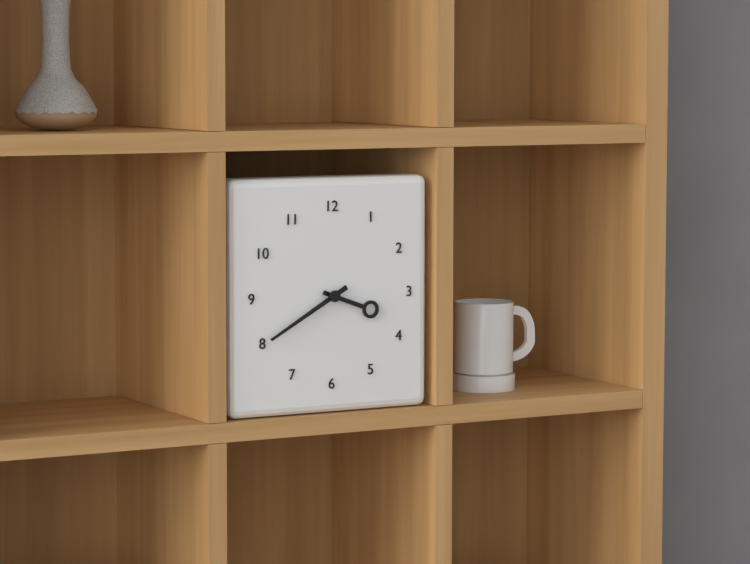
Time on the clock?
3:40
